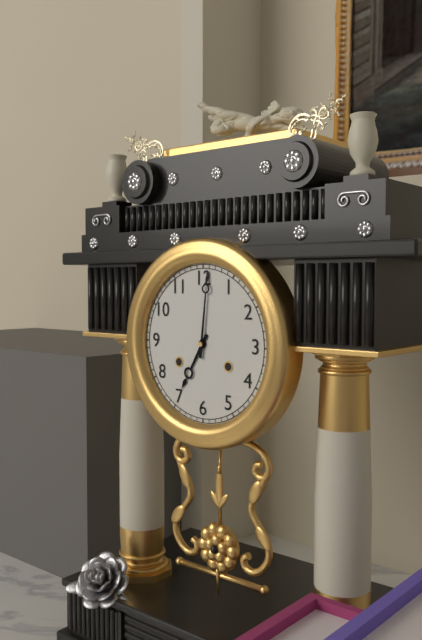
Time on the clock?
7:01
